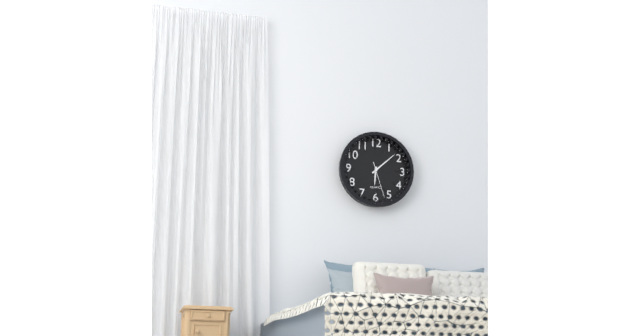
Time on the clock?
6:08
